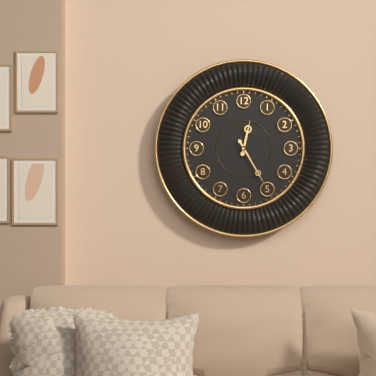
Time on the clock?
12:25
